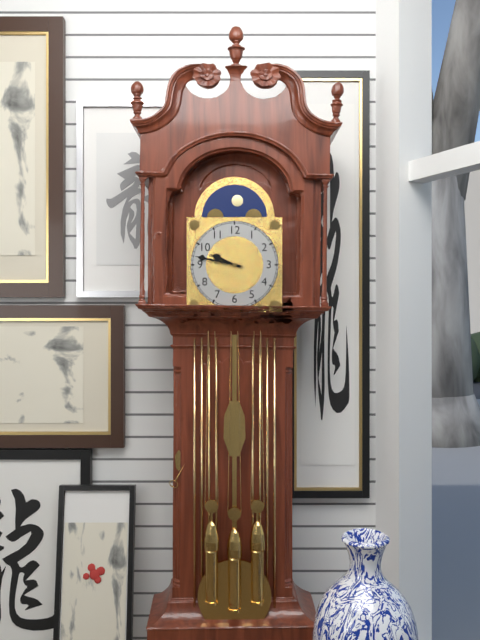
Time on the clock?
9:47
